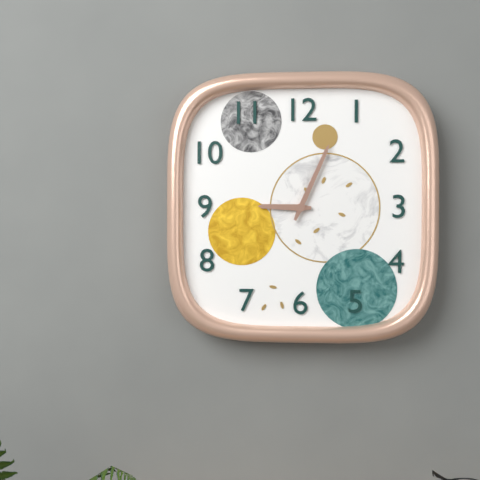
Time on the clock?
9:04
